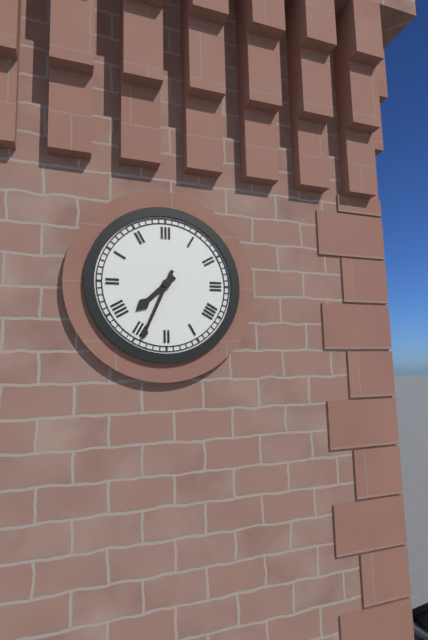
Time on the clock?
7:34
